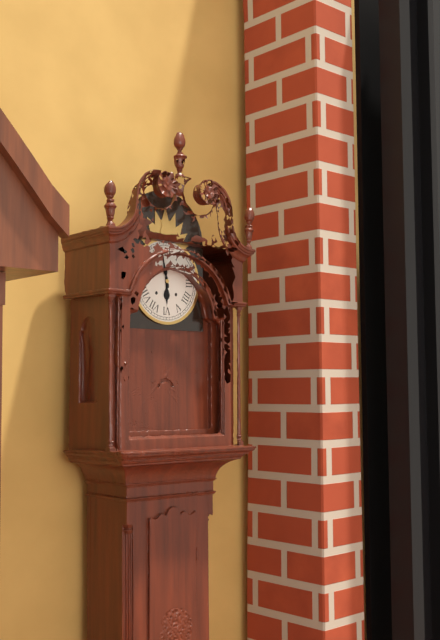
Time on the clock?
5:58
